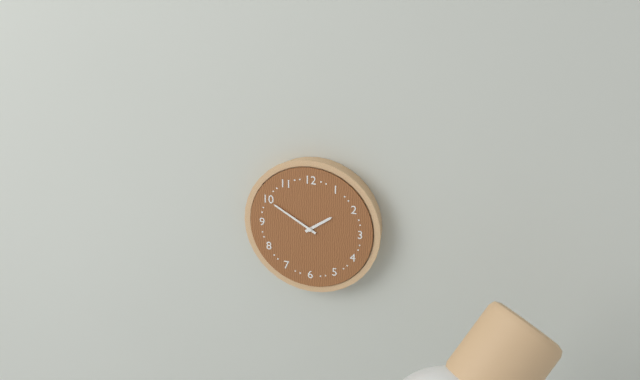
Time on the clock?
1:50
